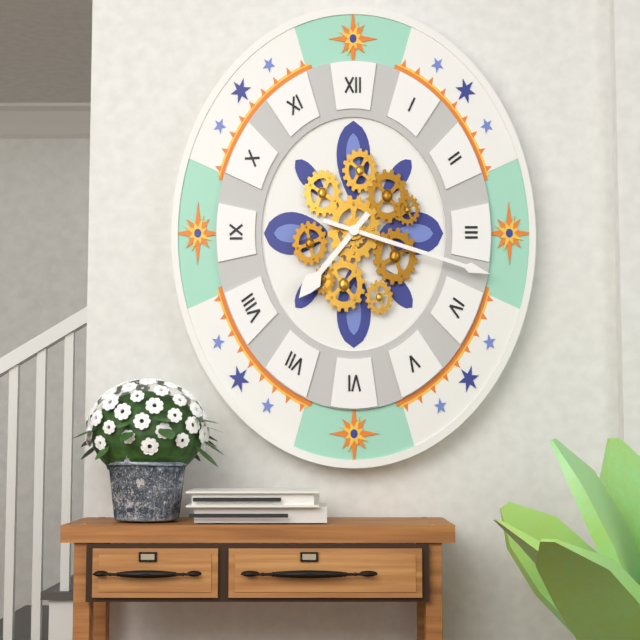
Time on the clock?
7:18
